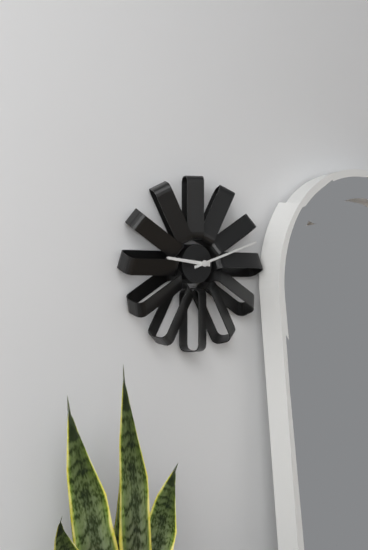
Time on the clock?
9:12
